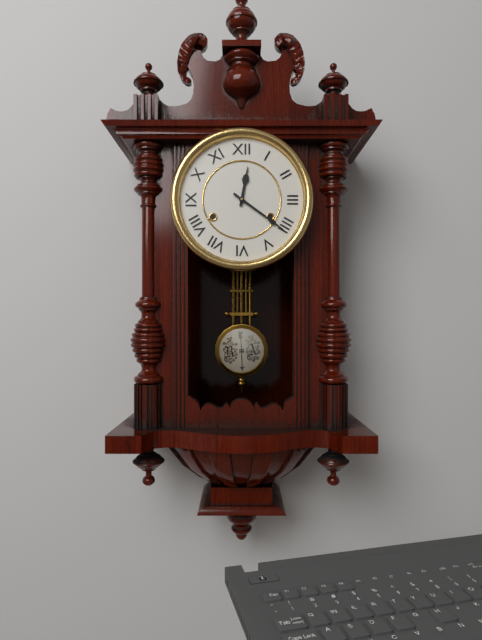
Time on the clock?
12:21
